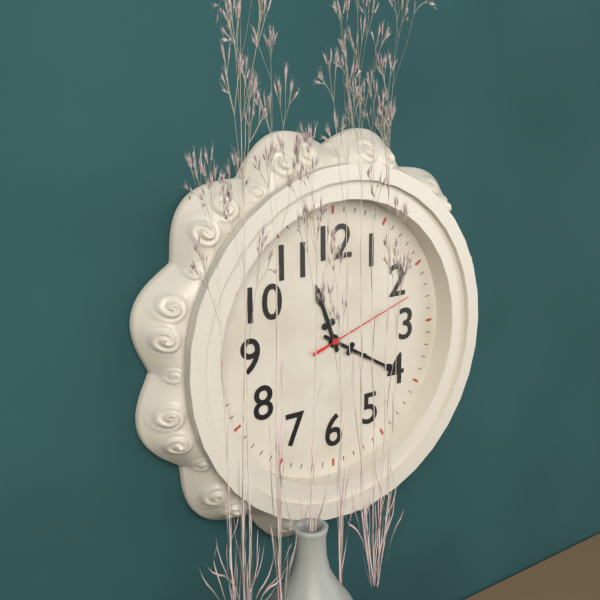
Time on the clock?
11:20:12
